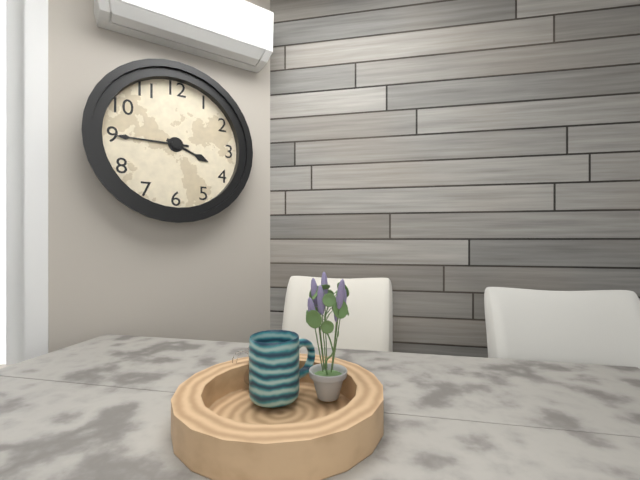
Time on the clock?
3:45
